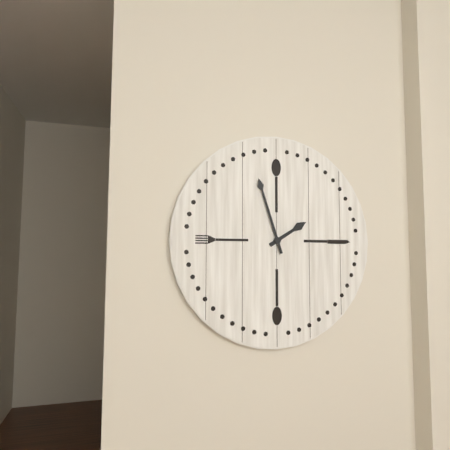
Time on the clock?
1:57
